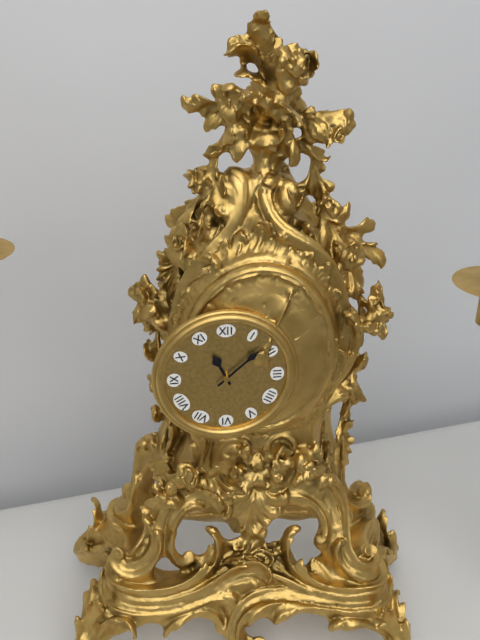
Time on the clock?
11:08
